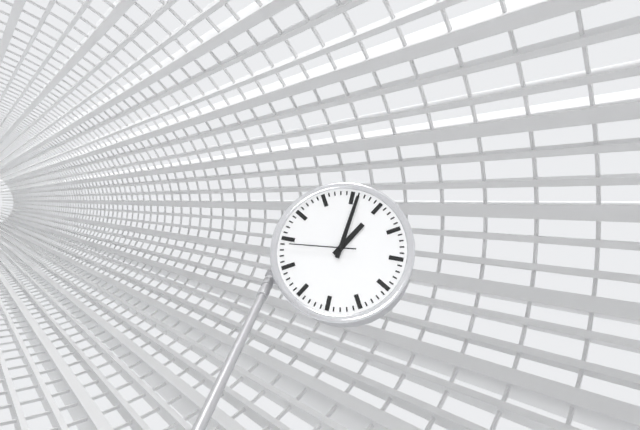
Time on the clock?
1:01:44
